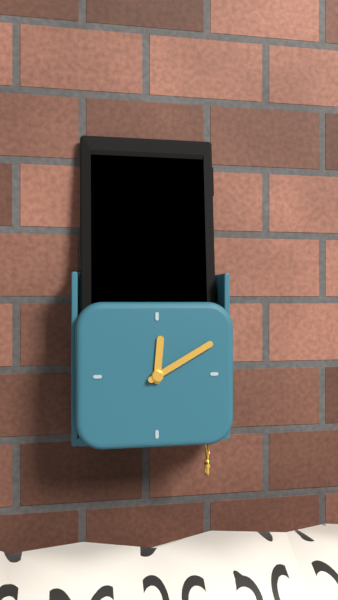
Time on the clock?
12:10
